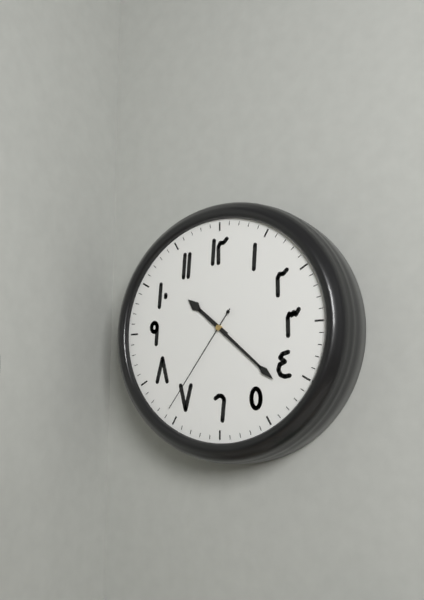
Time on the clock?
10:22:36
